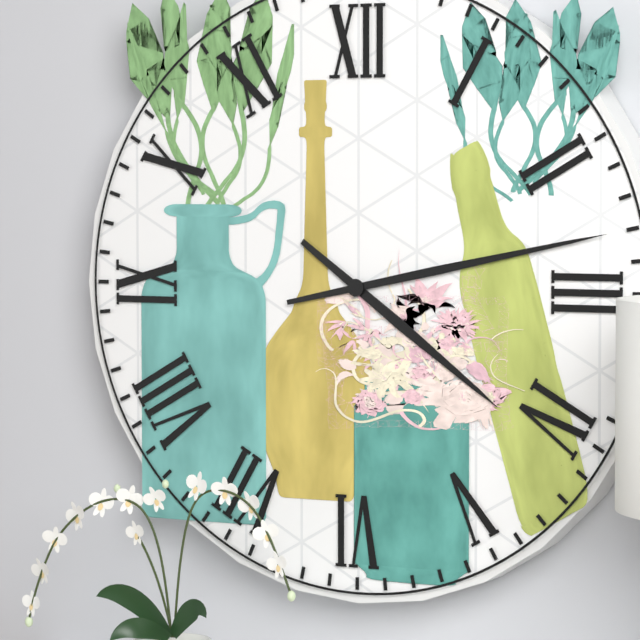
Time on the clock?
4:13
